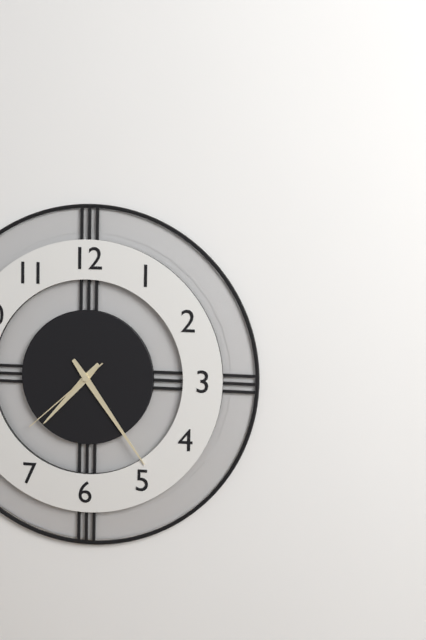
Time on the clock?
7:24:38
